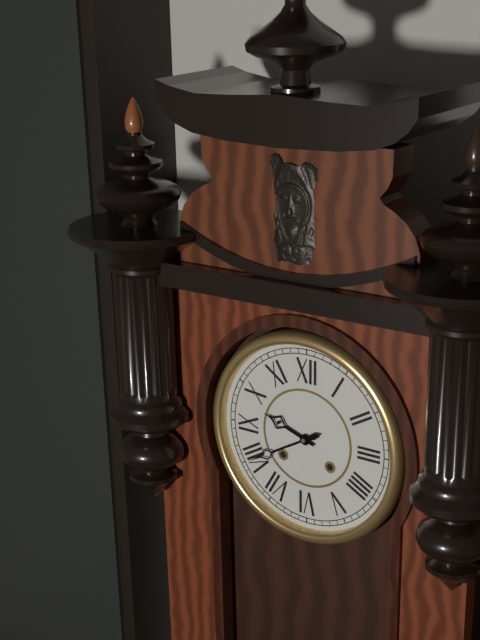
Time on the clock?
9:40
